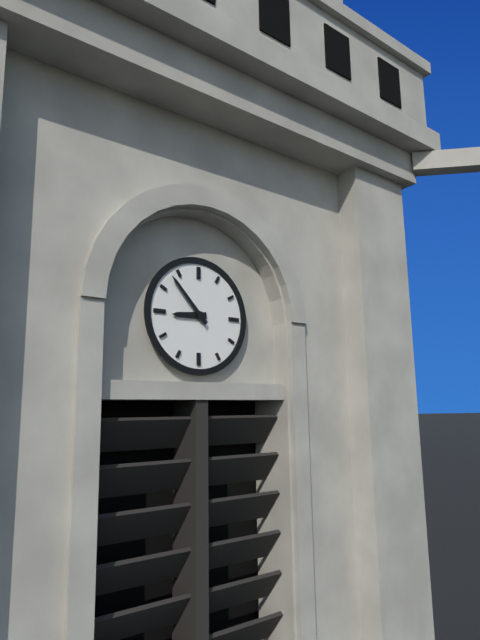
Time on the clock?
8:53
